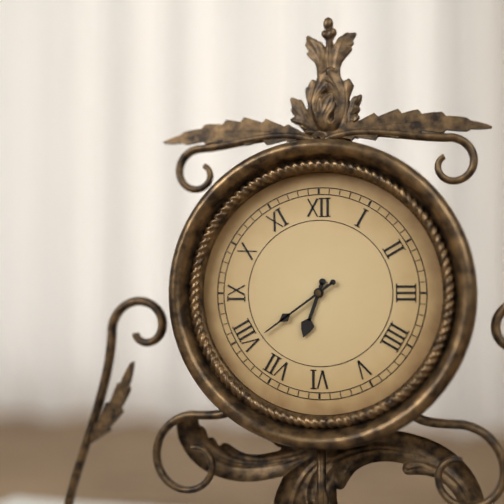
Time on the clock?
6:39
